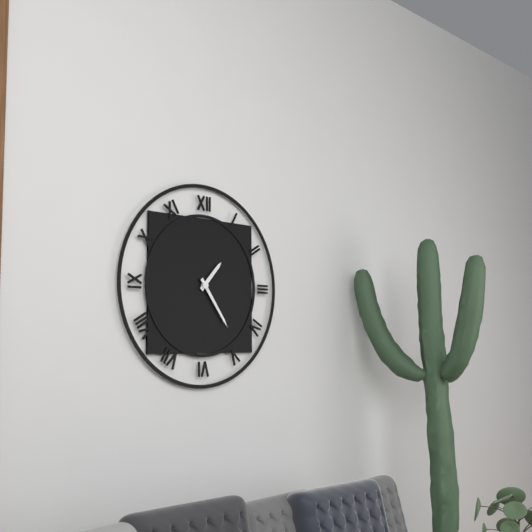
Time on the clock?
1:24
